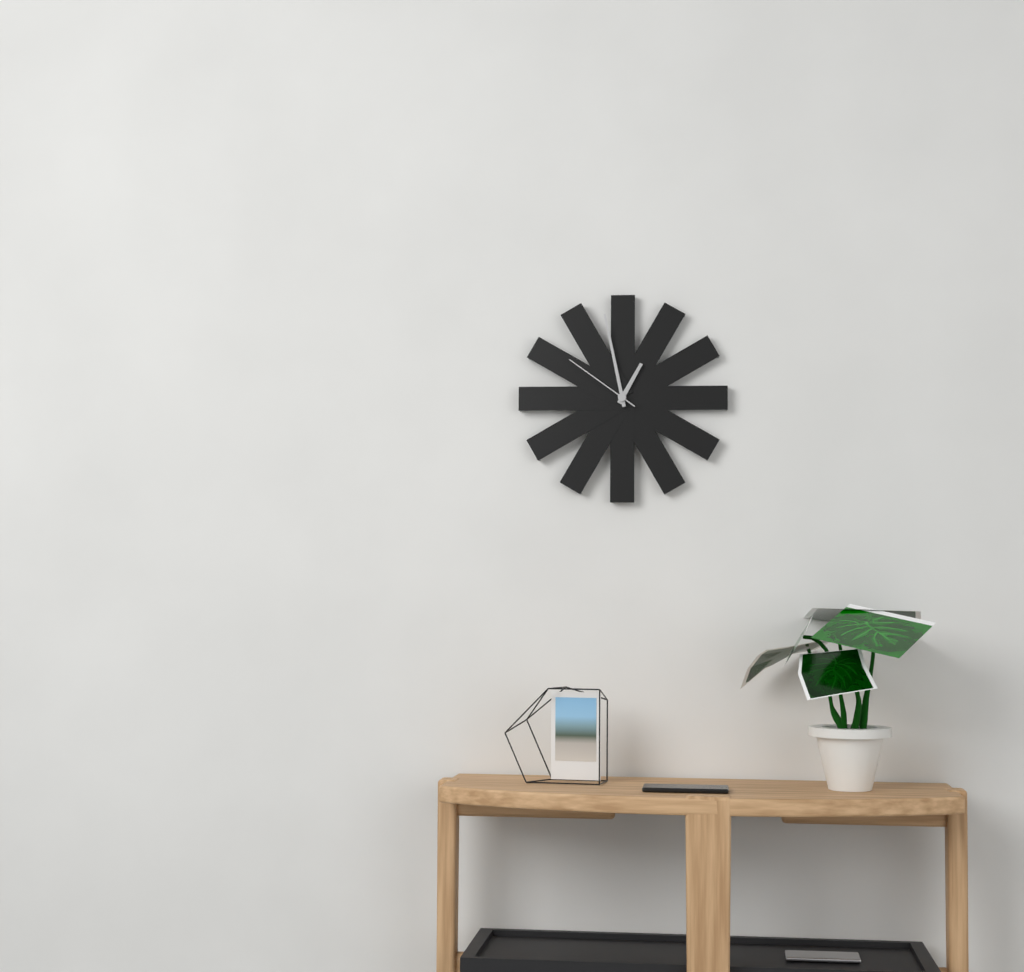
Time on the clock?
12:58:51
